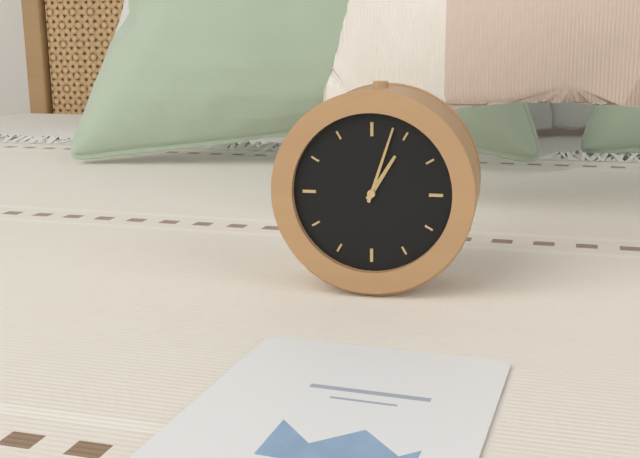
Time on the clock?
1:03
